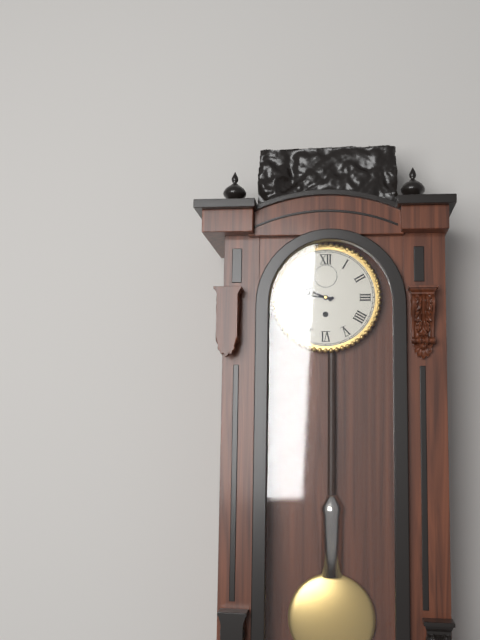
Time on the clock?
9:46
